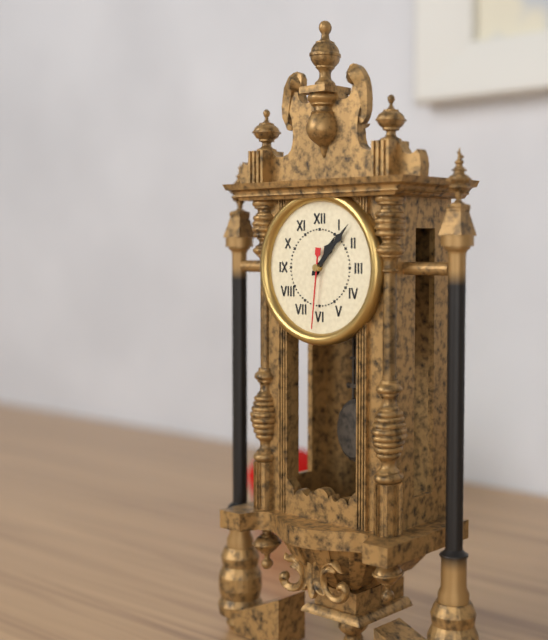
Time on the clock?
1:07:31
